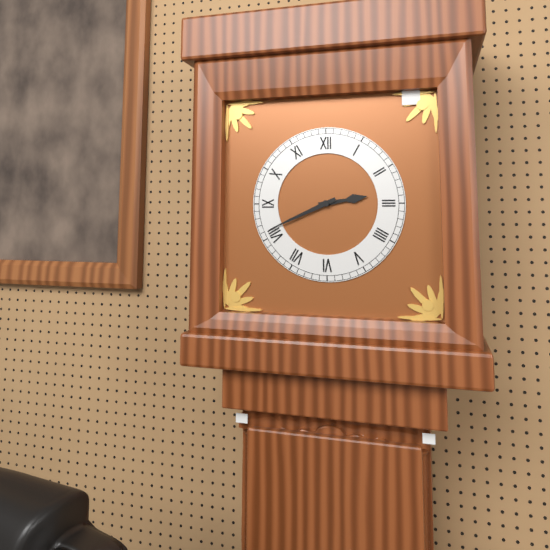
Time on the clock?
2:41
